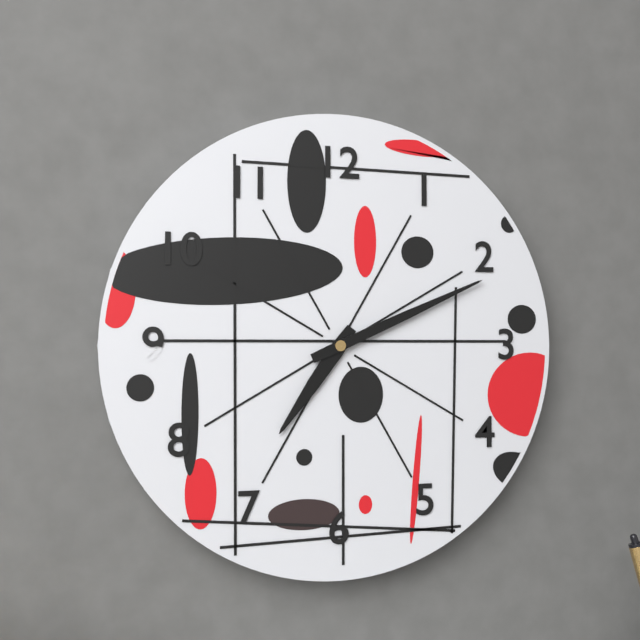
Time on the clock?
7:11
